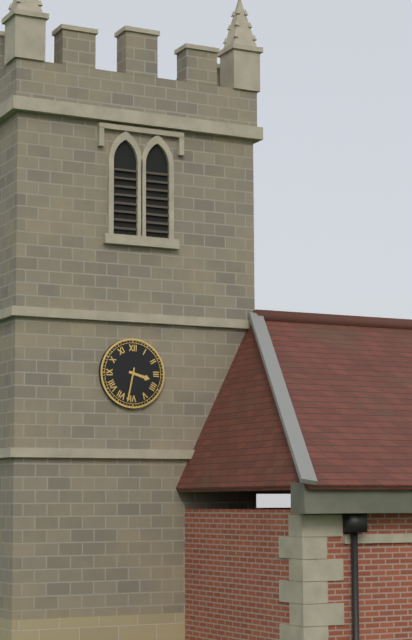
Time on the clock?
3:32
